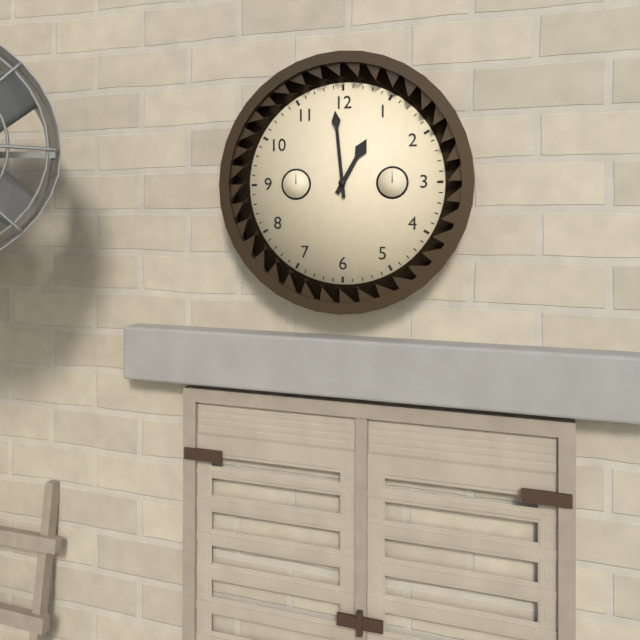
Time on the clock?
12:59
